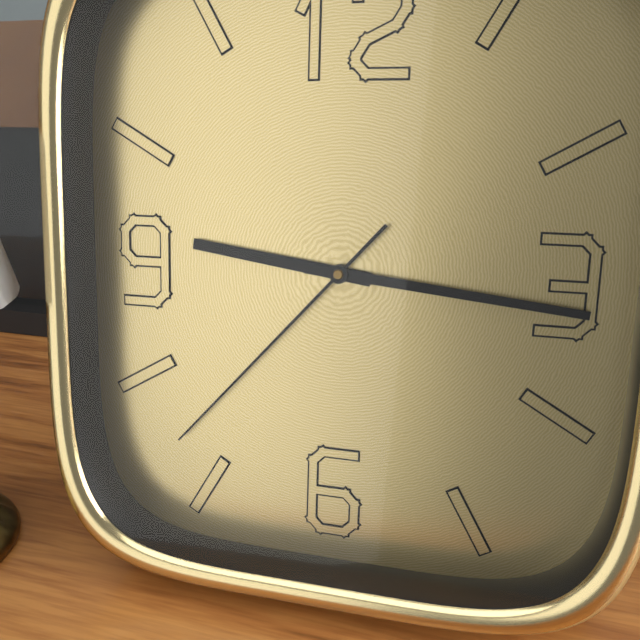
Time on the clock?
9:16:37
